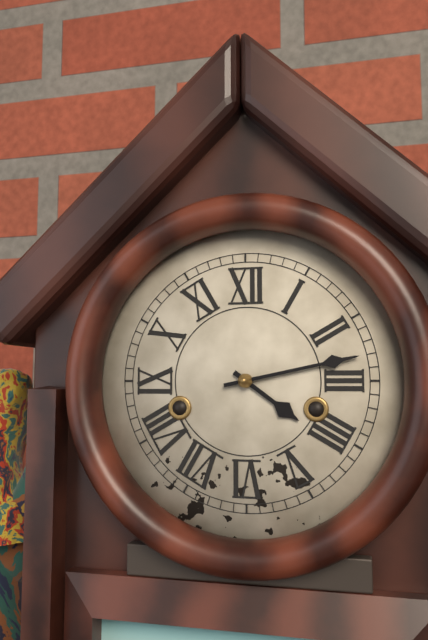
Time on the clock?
4:13
